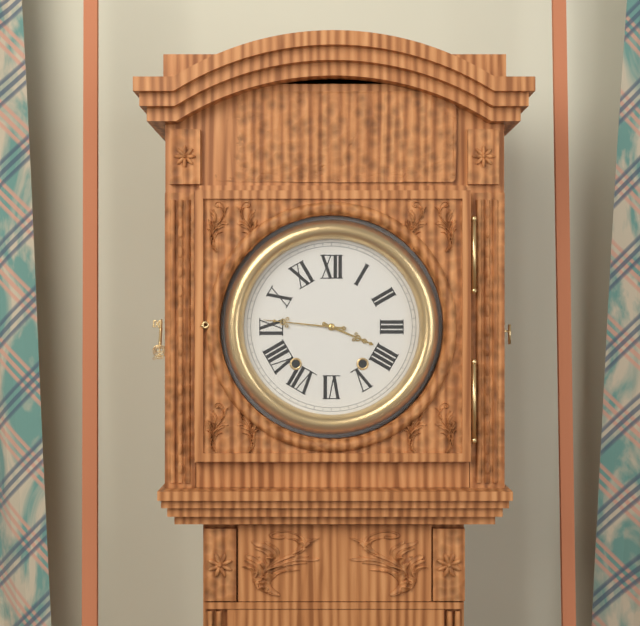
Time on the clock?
3:46
